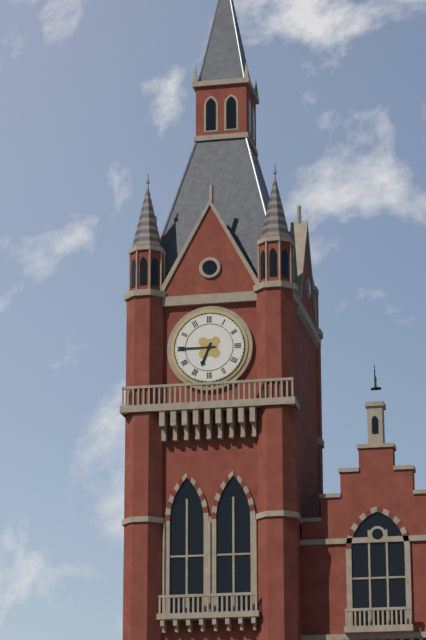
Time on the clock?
6:45
